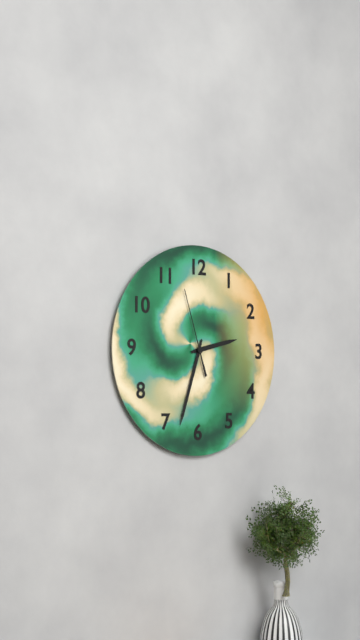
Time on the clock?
2:33:57
